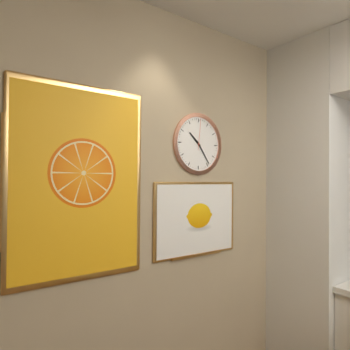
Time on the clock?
10:24
